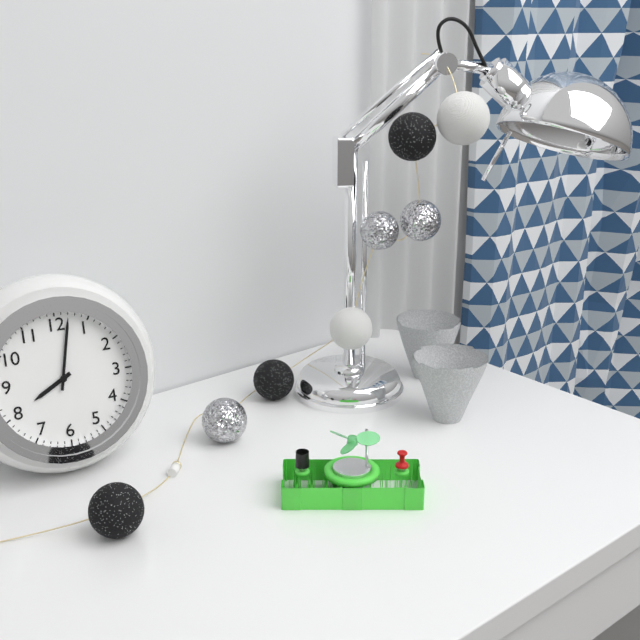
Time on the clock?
8:02
